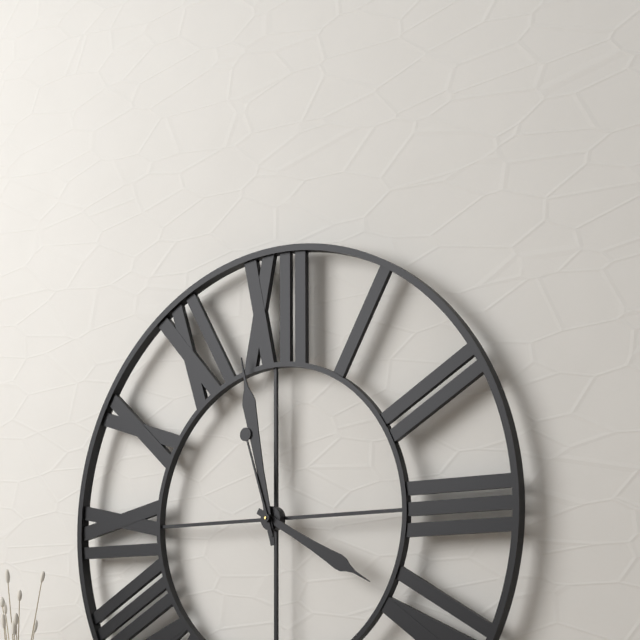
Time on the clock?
3:58:57
